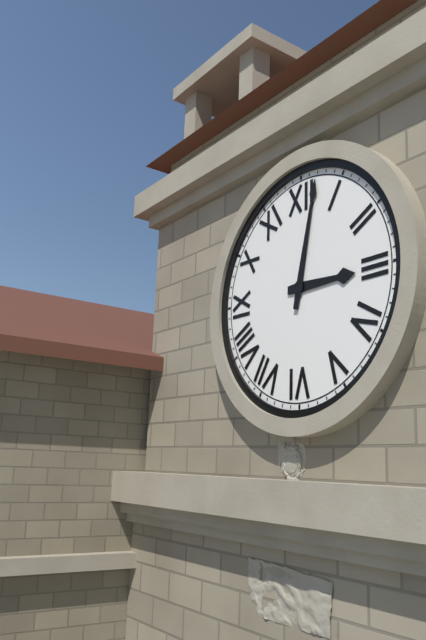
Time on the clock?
3:02
